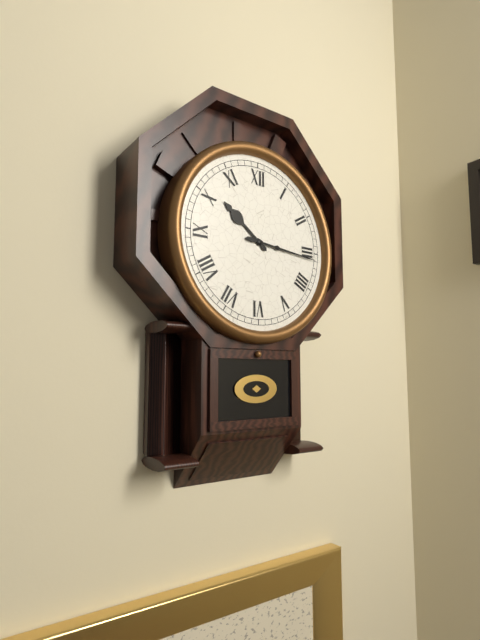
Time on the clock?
10:16
